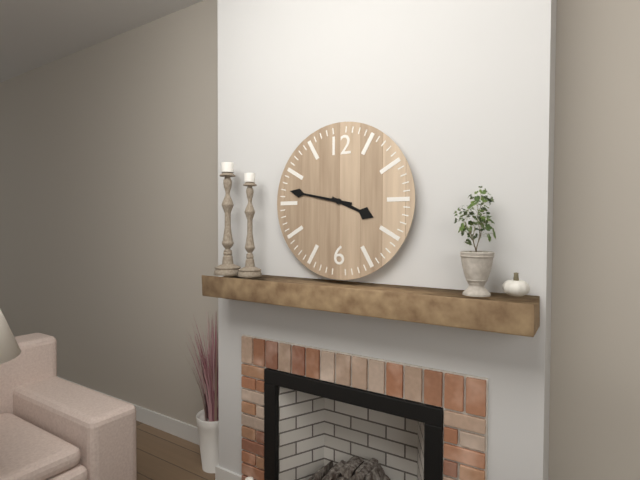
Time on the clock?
3:47
